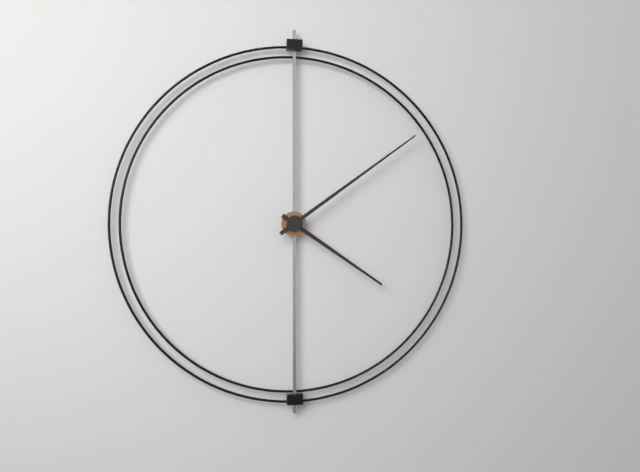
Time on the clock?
4:09
